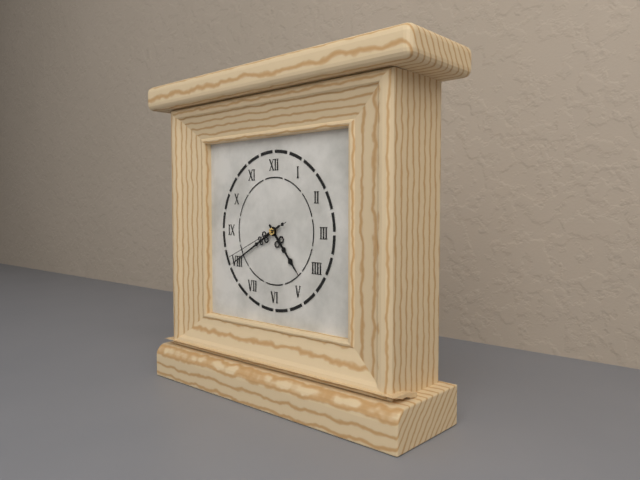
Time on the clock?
4:40:41
